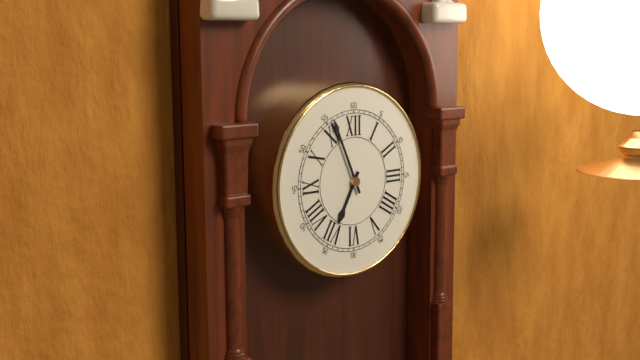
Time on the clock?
6:56
